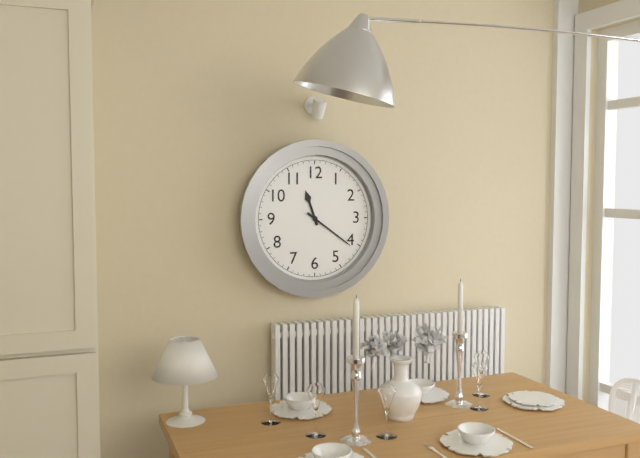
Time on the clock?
11:21
